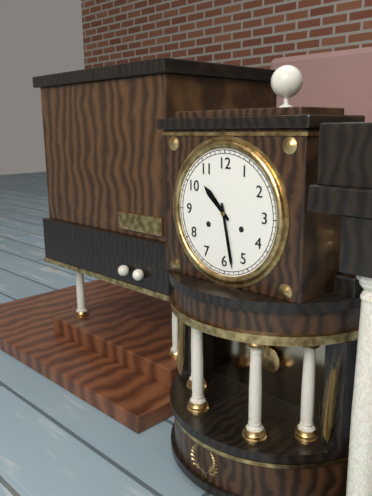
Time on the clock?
10:28
